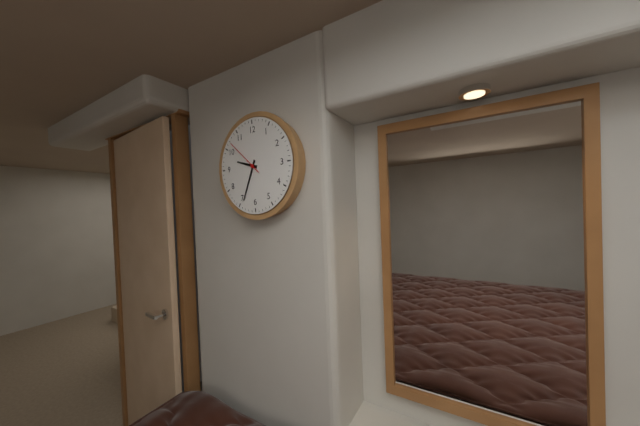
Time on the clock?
9:34
